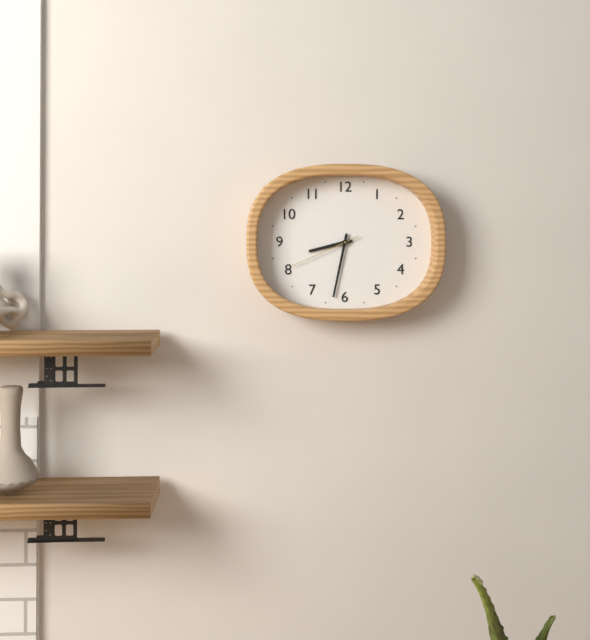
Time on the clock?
8:32:41
